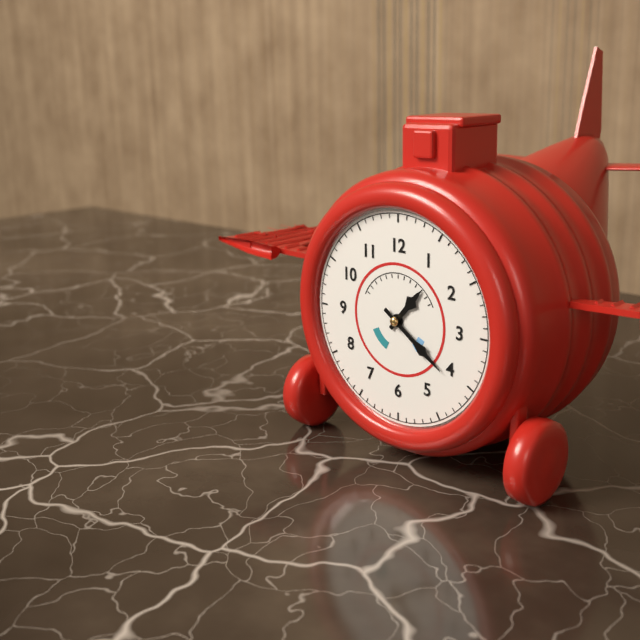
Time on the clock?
1:21
